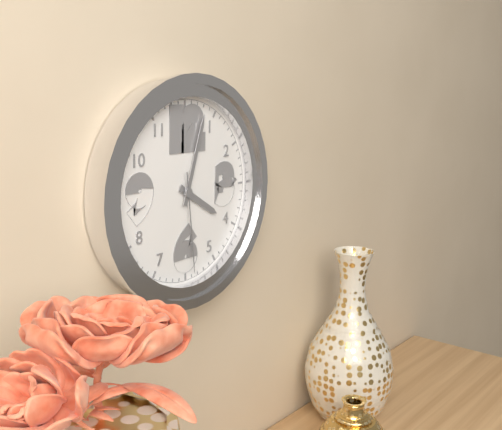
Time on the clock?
4:03:29
